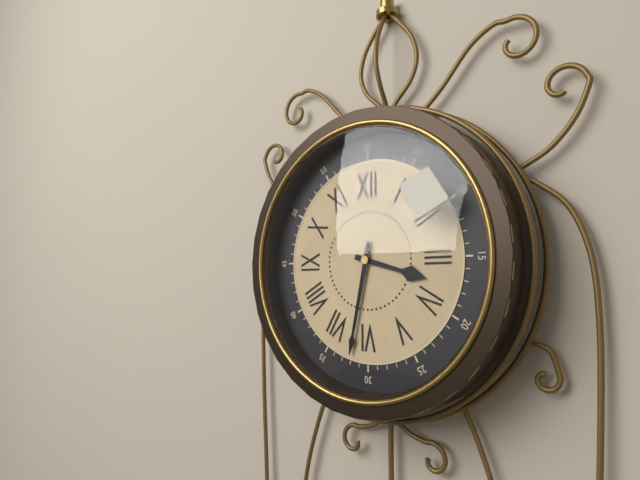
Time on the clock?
3:32
